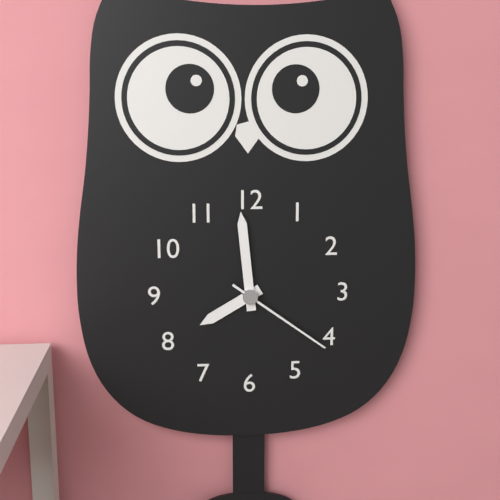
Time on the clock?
7:59:21
